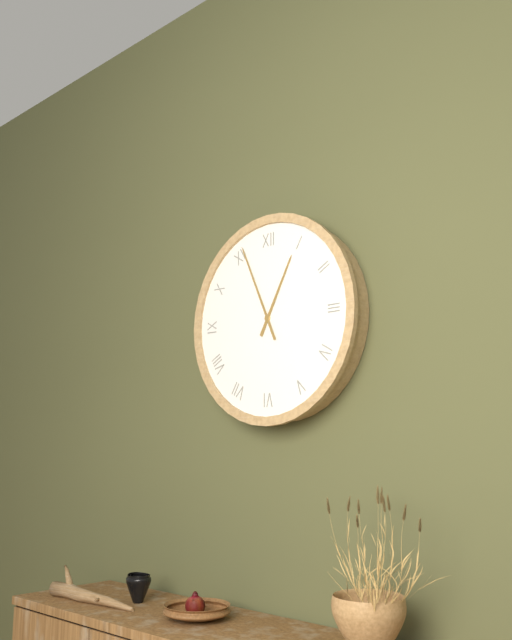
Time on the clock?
12:56
